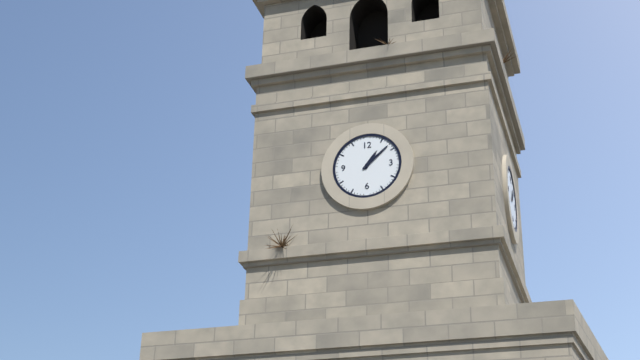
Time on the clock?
1:08
